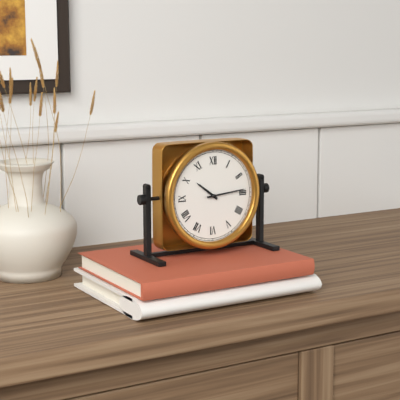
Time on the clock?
10:14
